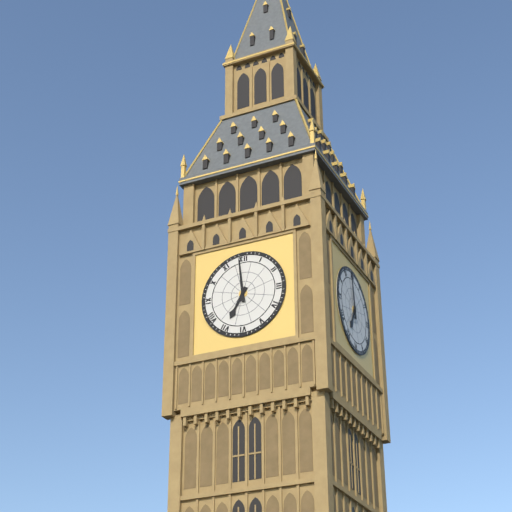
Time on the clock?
6:59
